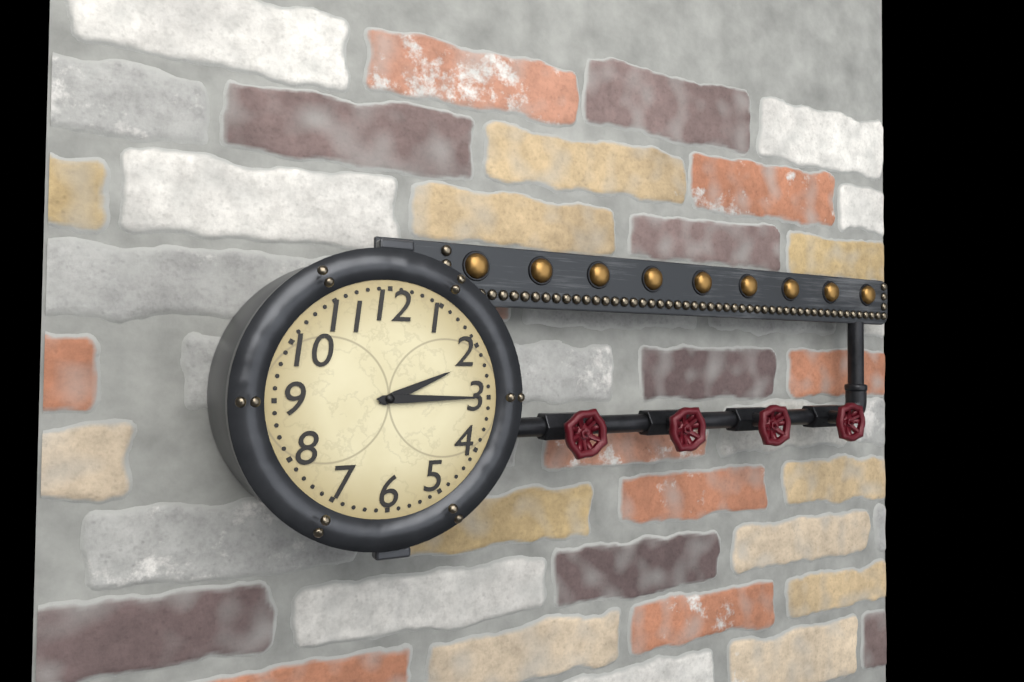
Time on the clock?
2:15
